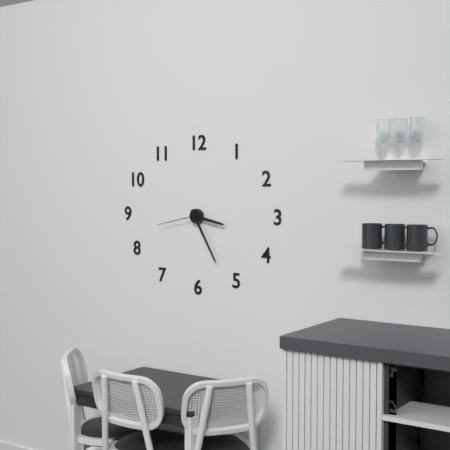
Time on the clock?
3:25
